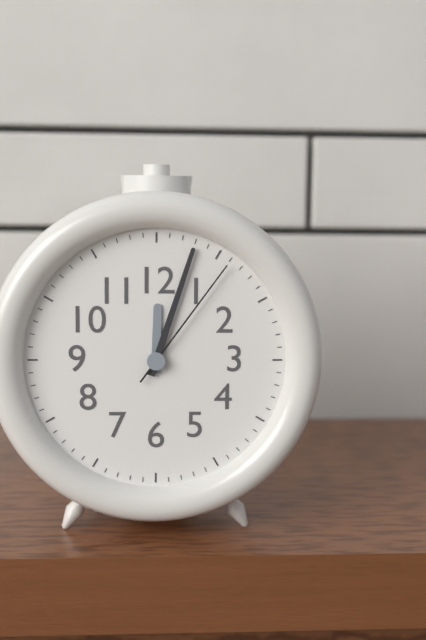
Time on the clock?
12:03:06
